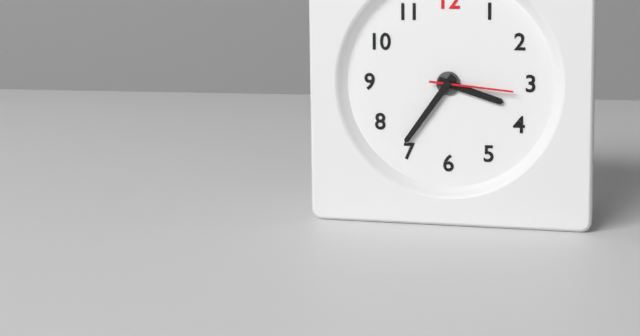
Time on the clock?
3:36:16
